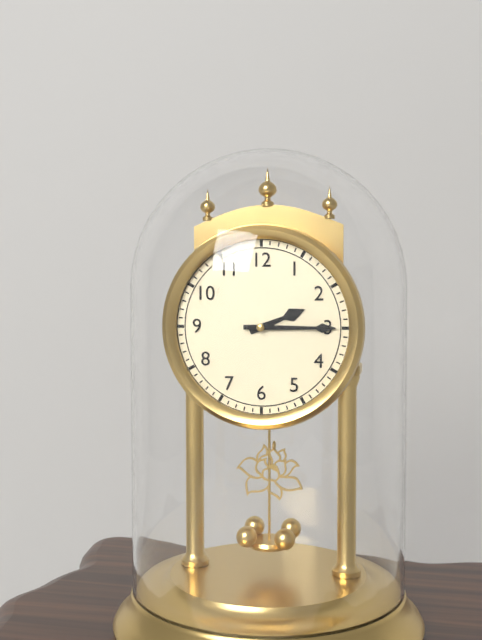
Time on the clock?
2:15
